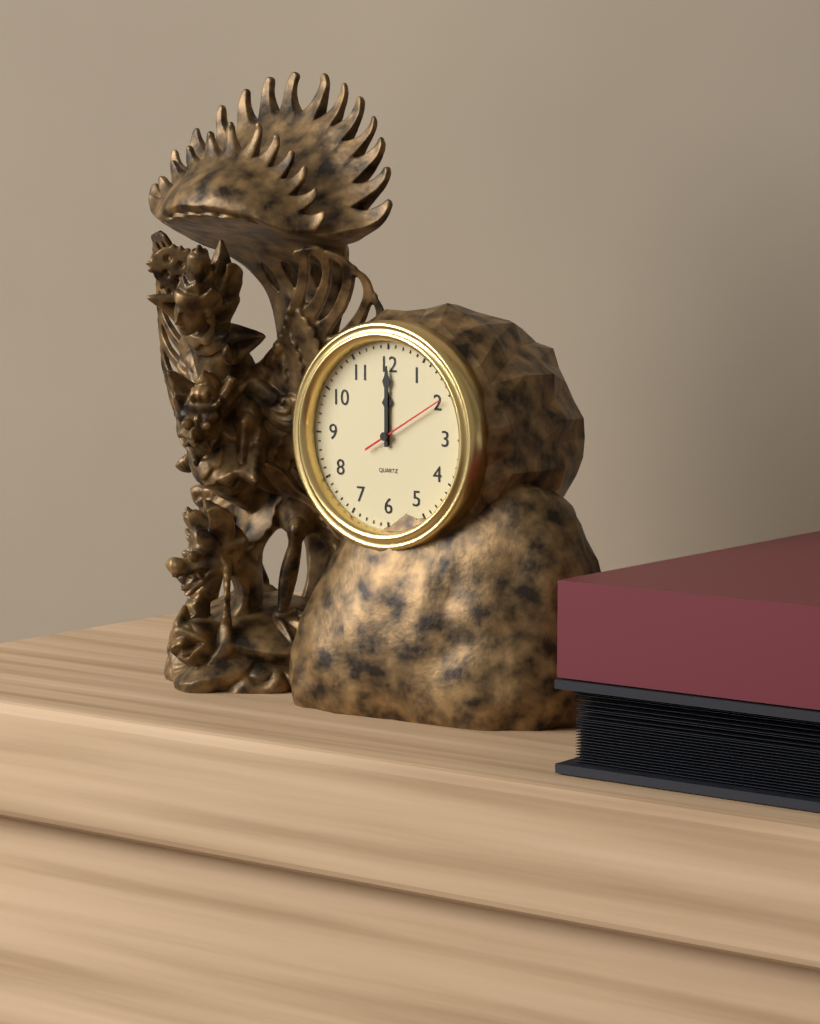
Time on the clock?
12:00:10
